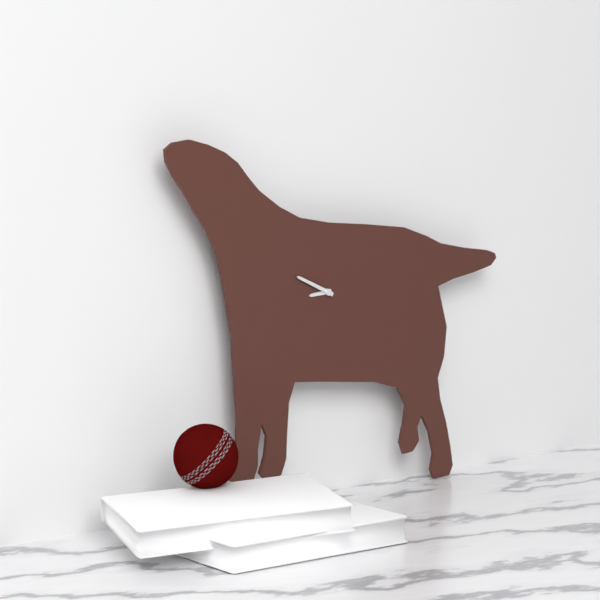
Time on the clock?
8:49
